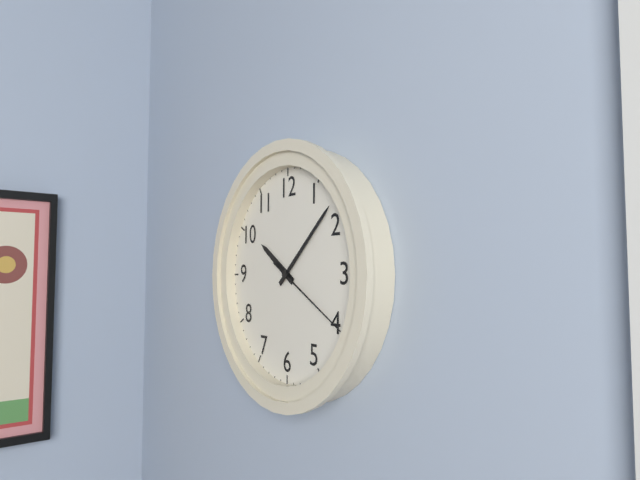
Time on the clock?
10:08:20
